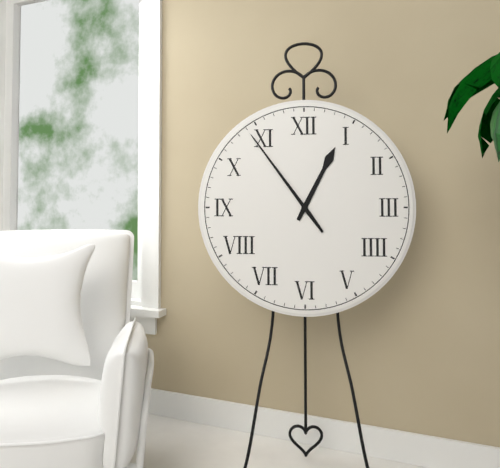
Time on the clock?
12:54
